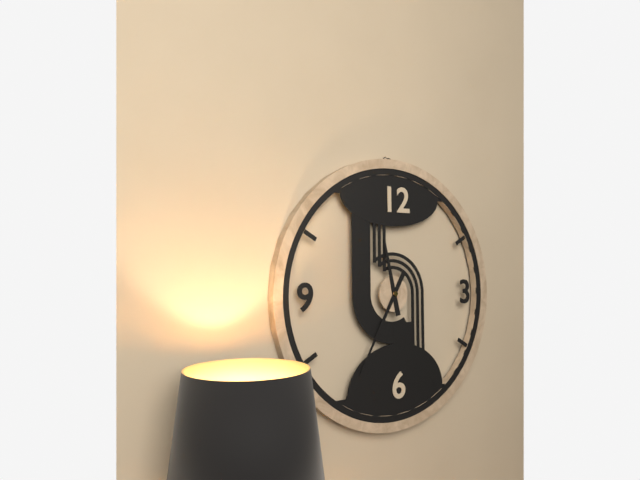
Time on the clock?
11:35
